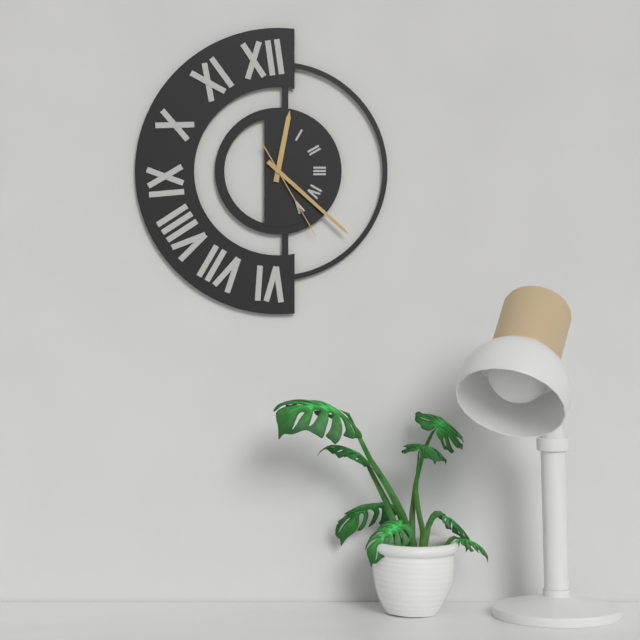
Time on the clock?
12:22:25
